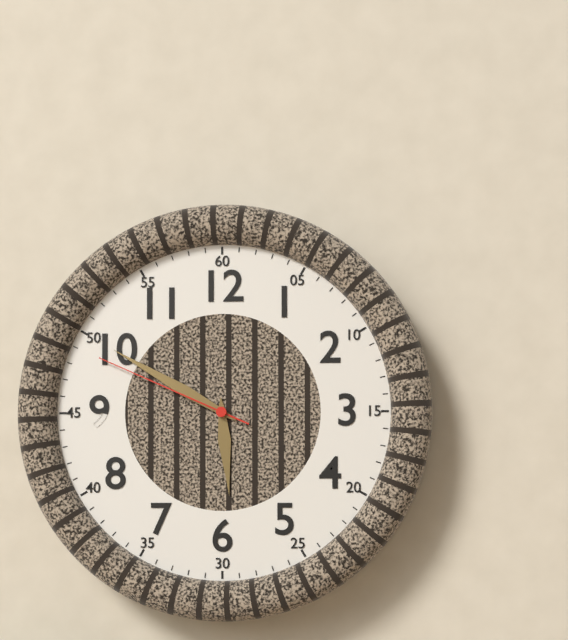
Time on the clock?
5:50:49
